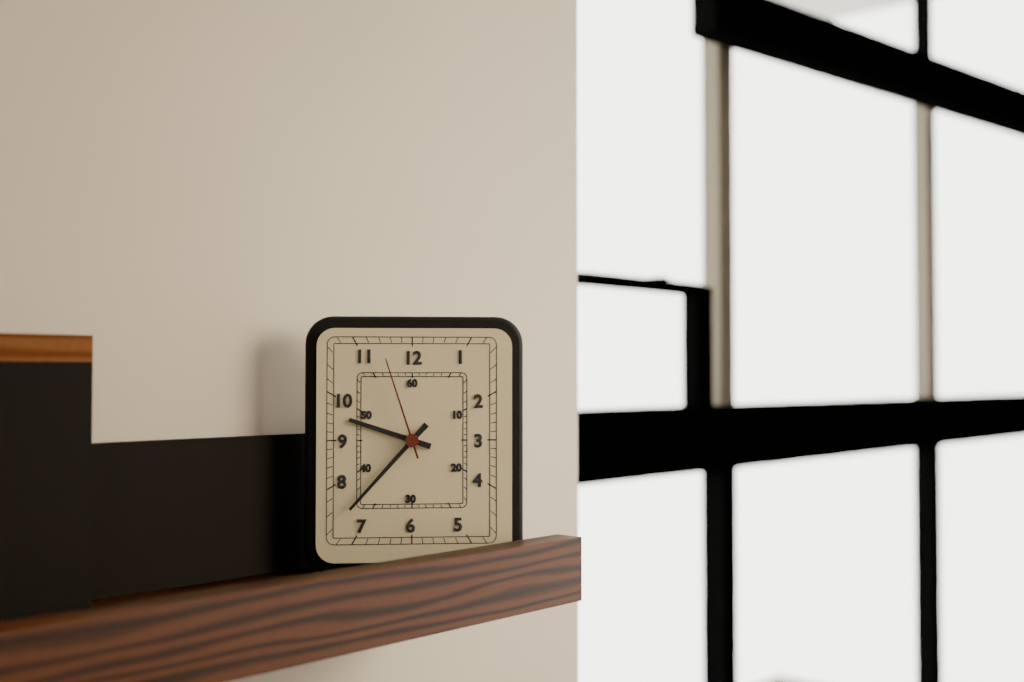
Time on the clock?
9:37:57
